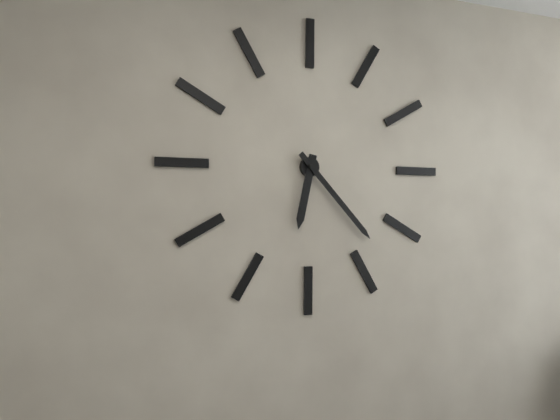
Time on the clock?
6:23
